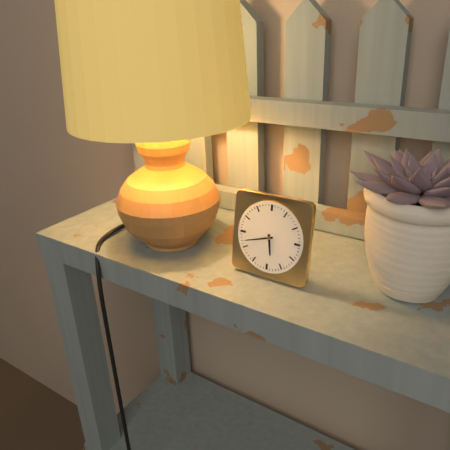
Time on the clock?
5:42
